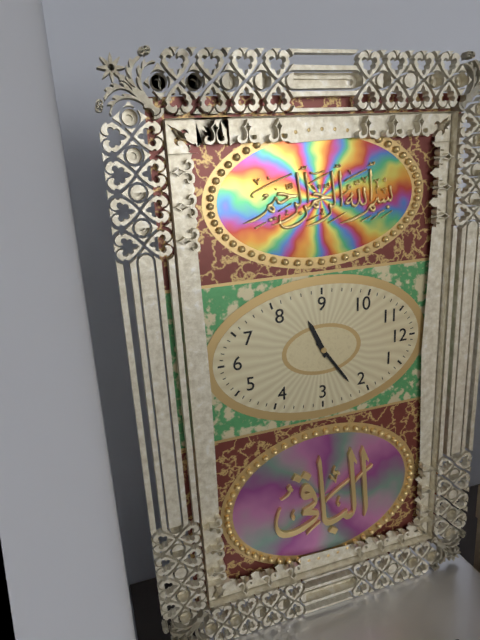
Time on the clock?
8:09
